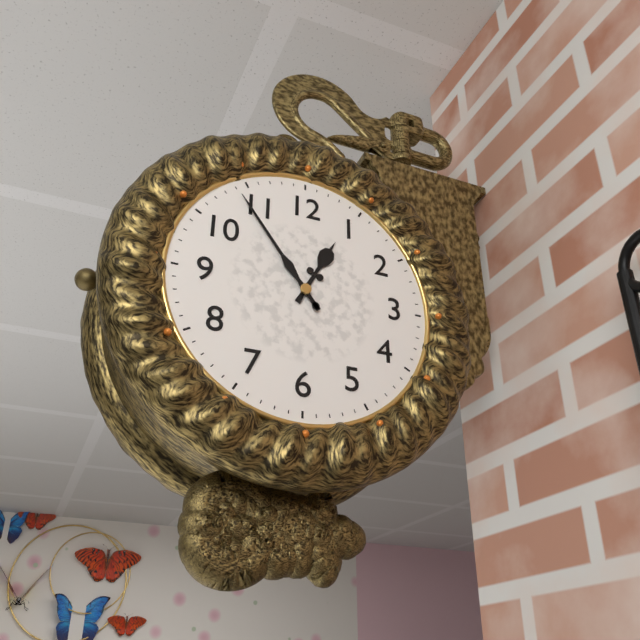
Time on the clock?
12:54
